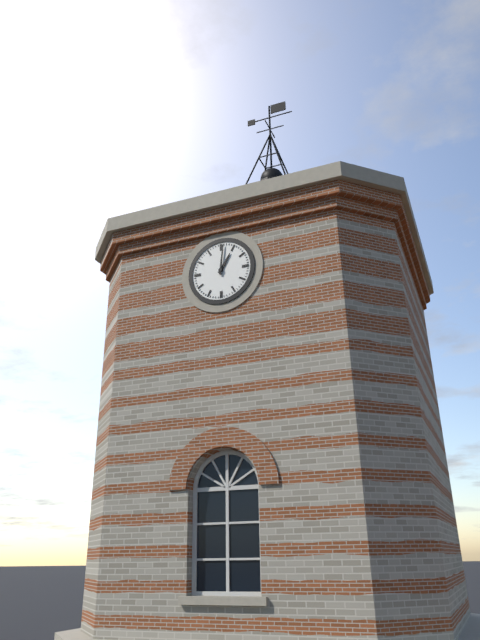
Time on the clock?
1:01
